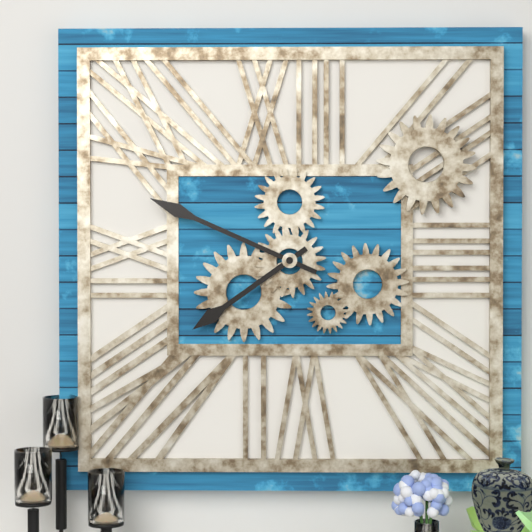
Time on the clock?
7:49
